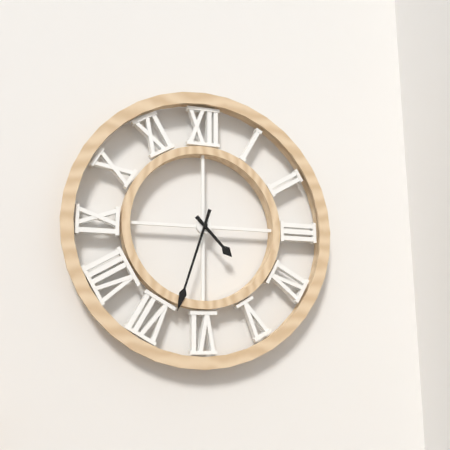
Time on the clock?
4:33
